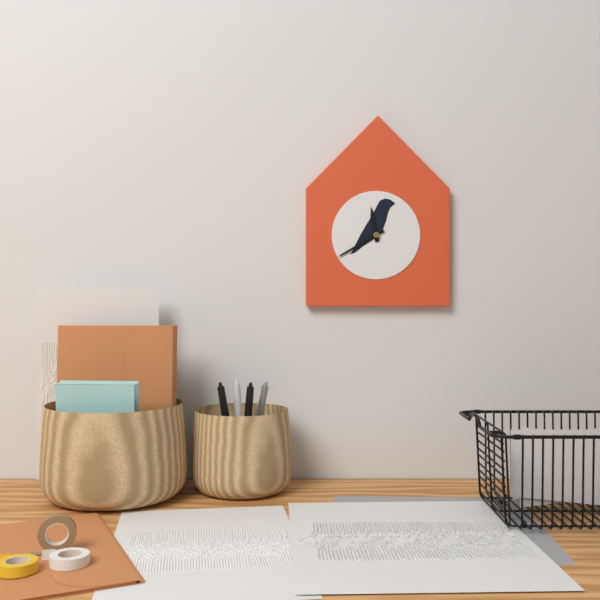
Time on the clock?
11:40
